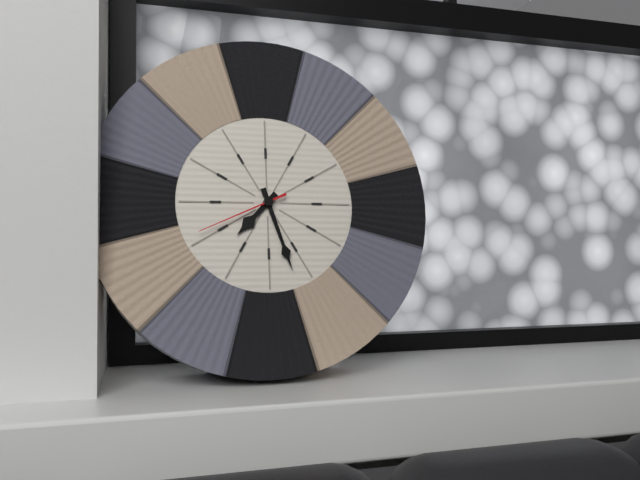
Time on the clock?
7:27:41
